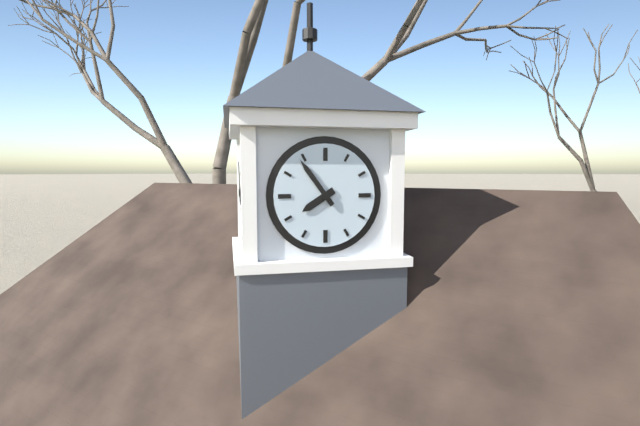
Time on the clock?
7:54
